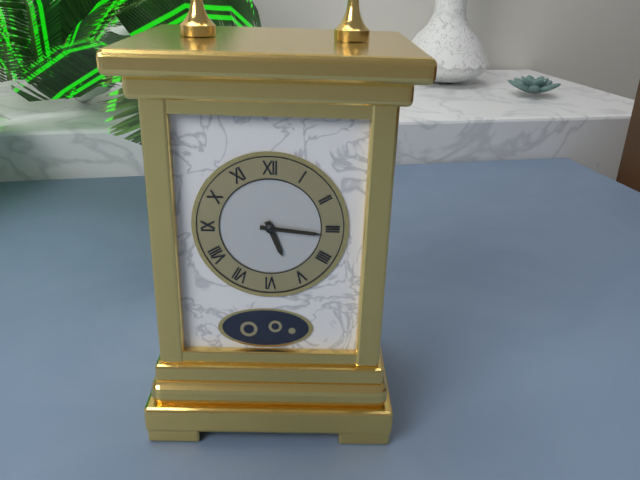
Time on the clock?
5:16
